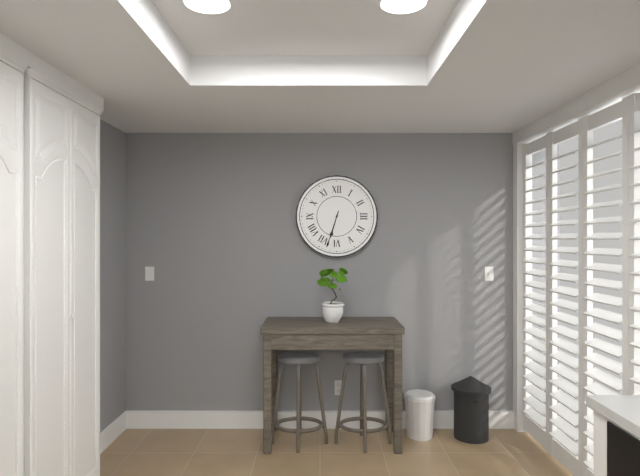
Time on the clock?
6:33
